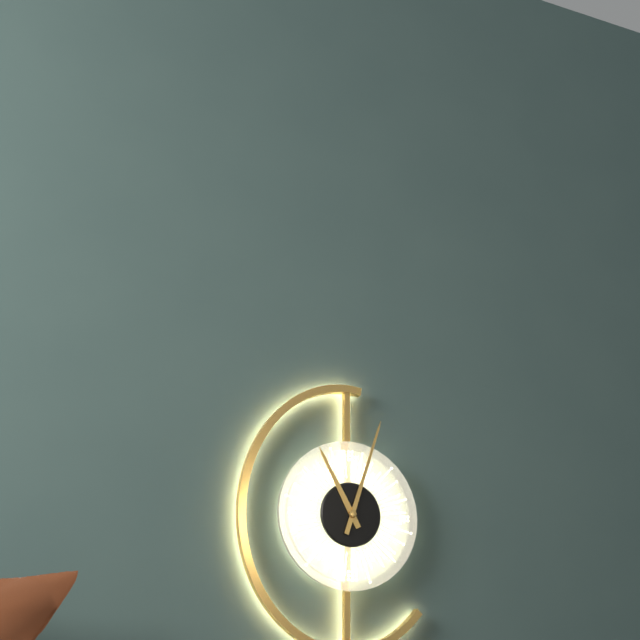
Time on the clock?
11:03
